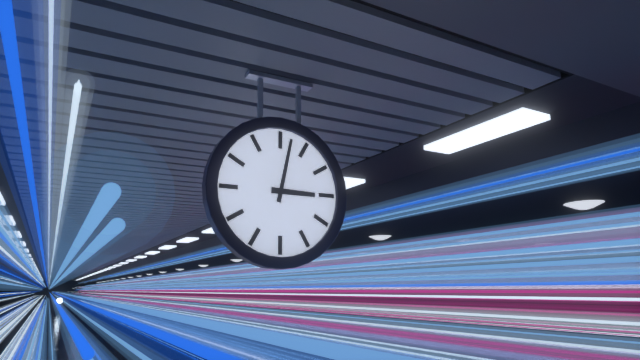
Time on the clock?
3:02
